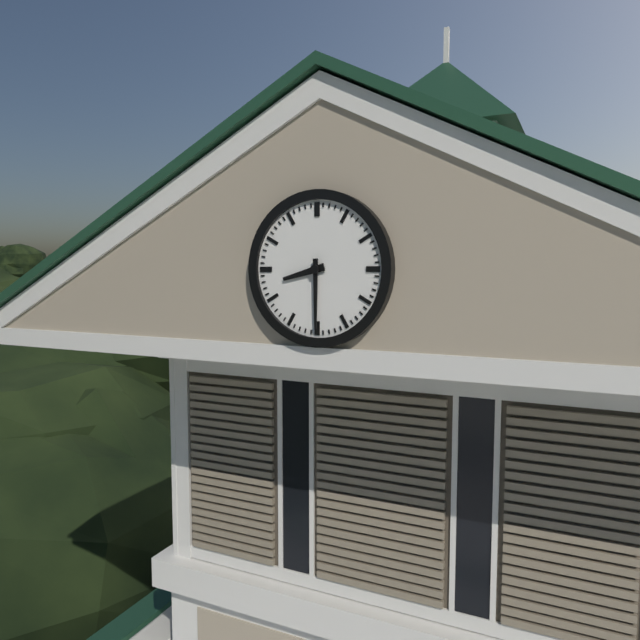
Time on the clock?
8:30
